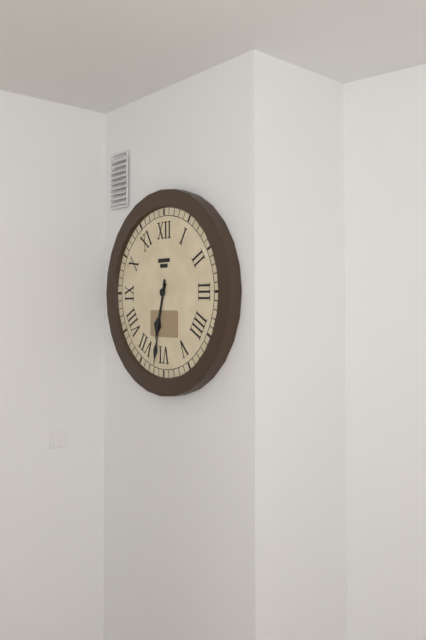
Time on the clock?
6:32
